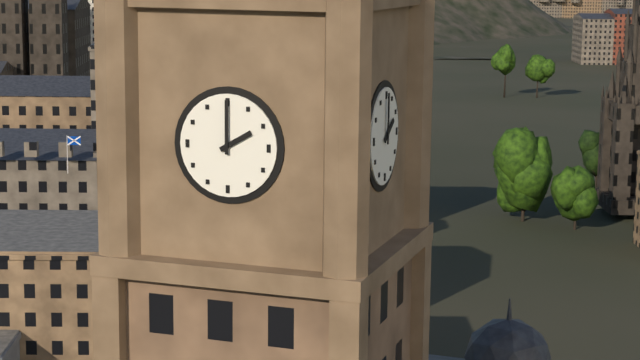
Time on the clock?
2:00
